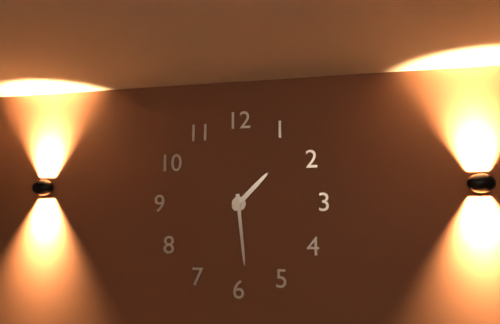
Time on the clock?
1:29
